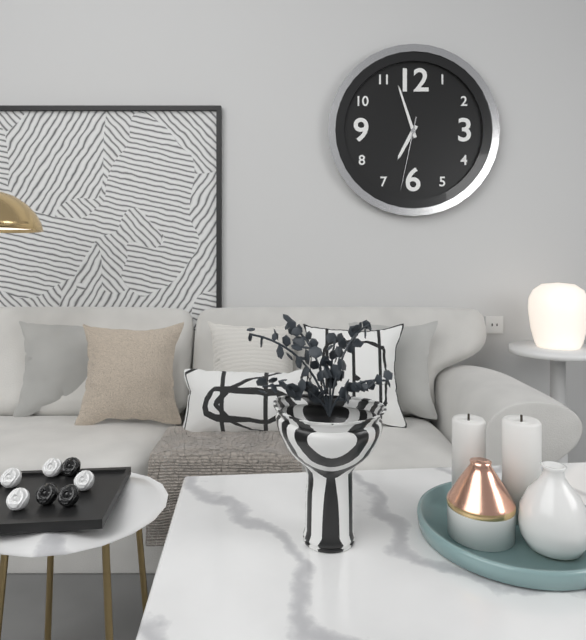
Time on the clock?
6:57:32
